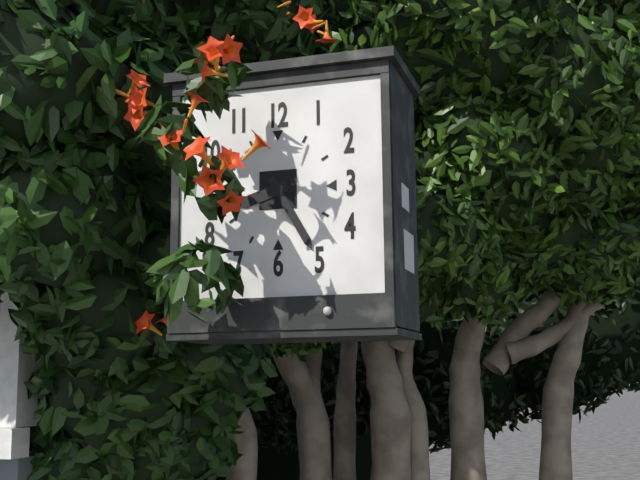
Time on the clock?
8:25
